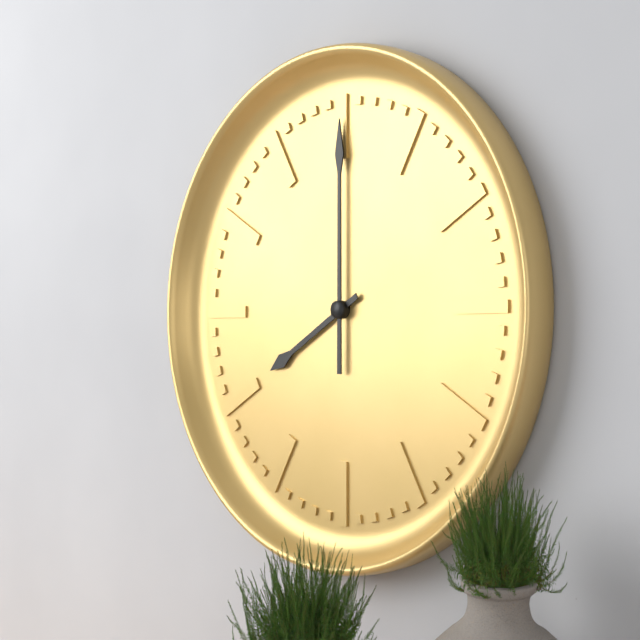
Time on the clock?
8:00
